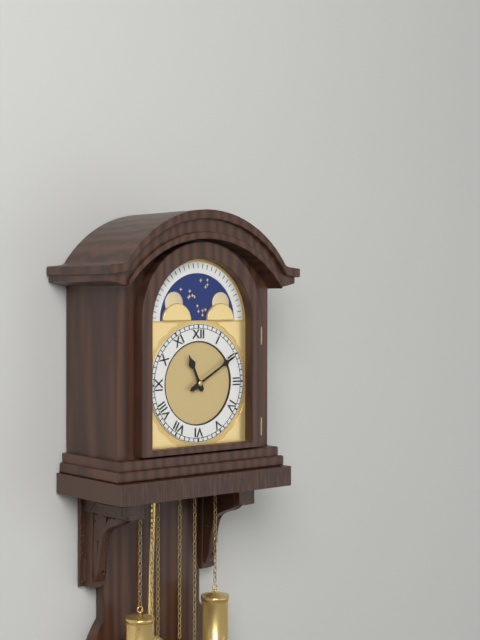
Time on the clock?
11:10
